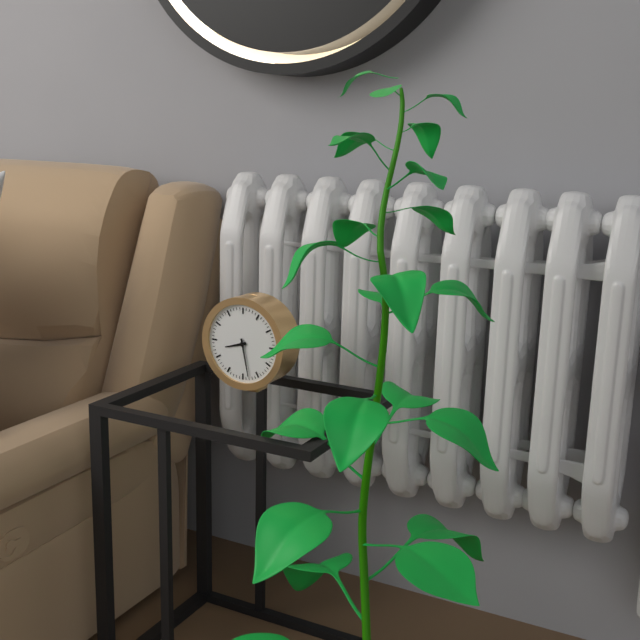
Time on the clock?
8:28
